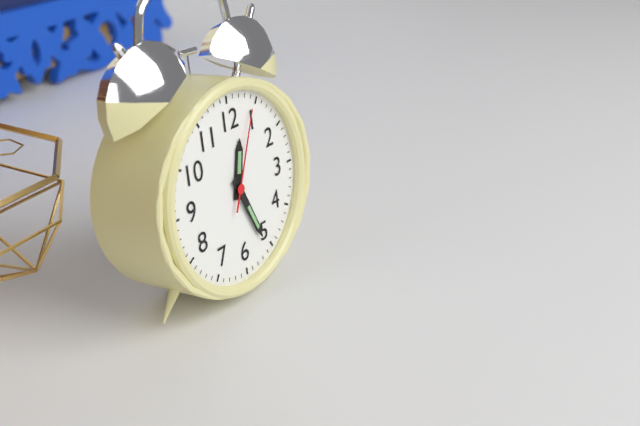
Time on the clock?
12:26:04
